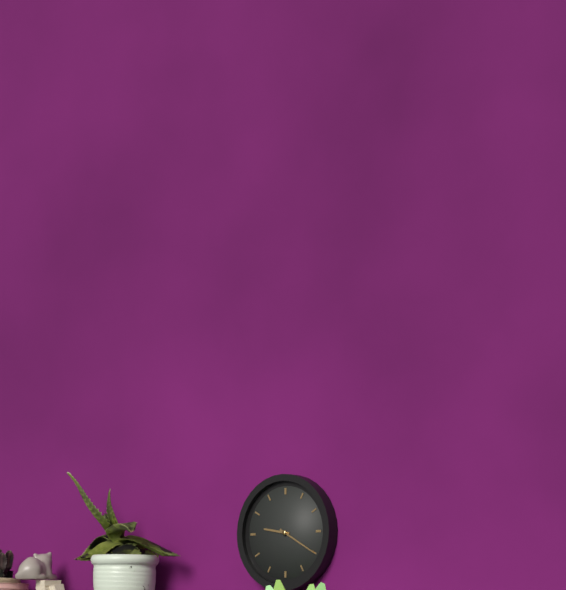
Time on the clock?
9:20
